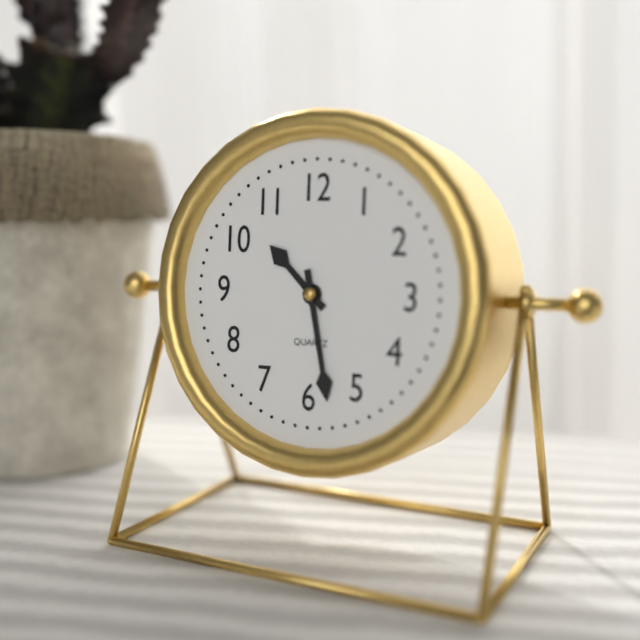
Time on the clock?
10:28
